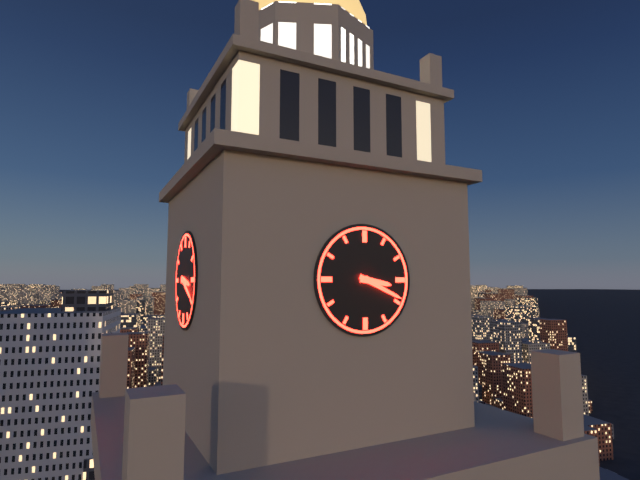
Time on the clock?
3:19
